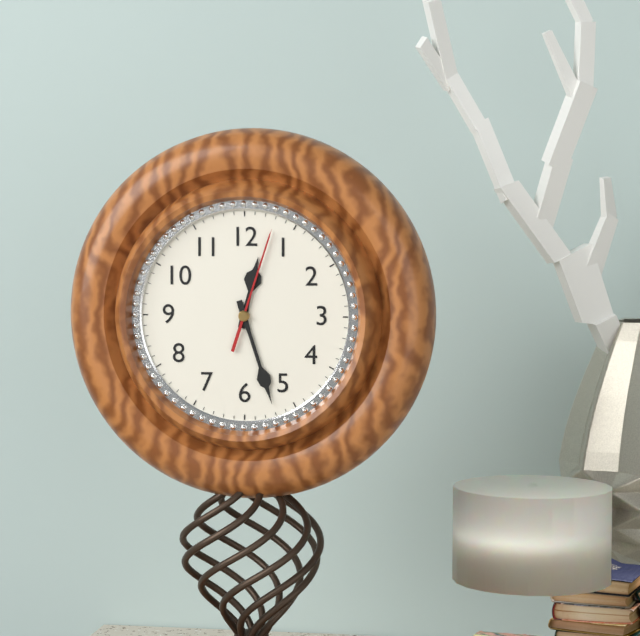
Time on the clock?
12:27:03
